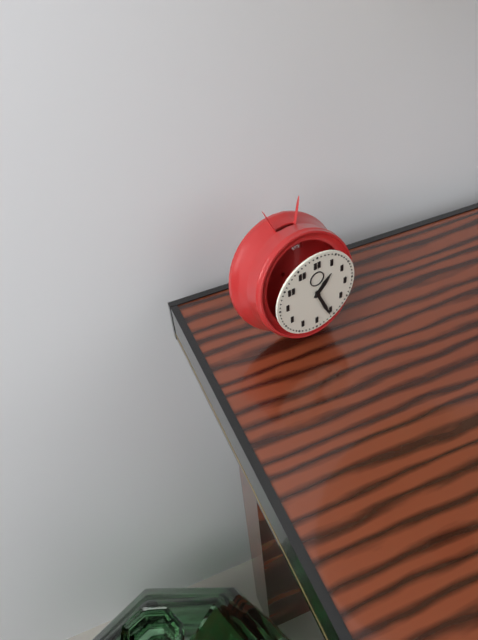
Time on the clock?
1:26
